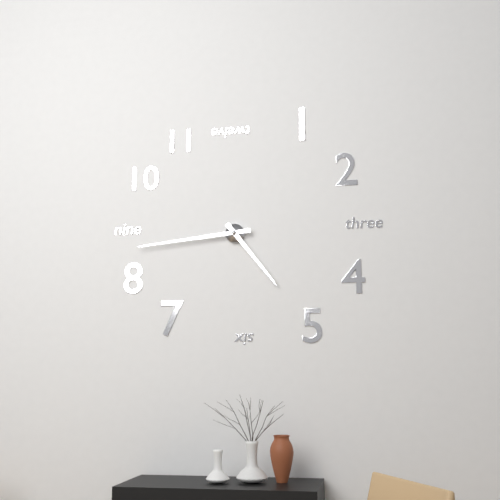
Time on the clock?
4:44
